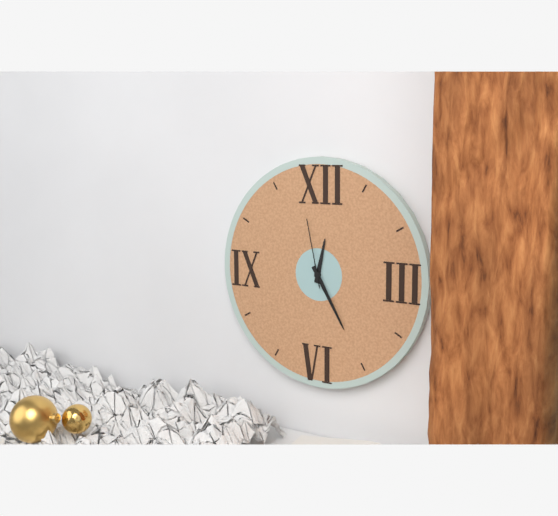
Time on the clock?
12:25:58
